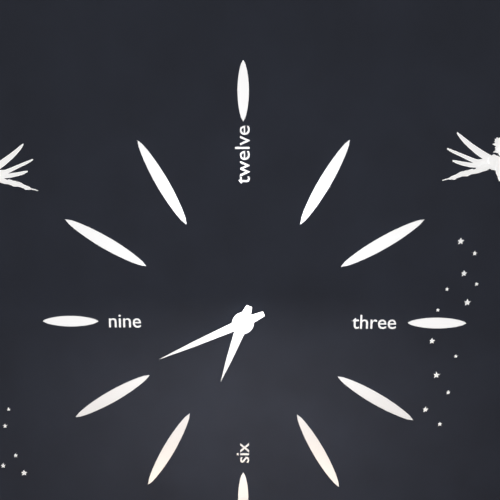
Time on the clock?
6:41
